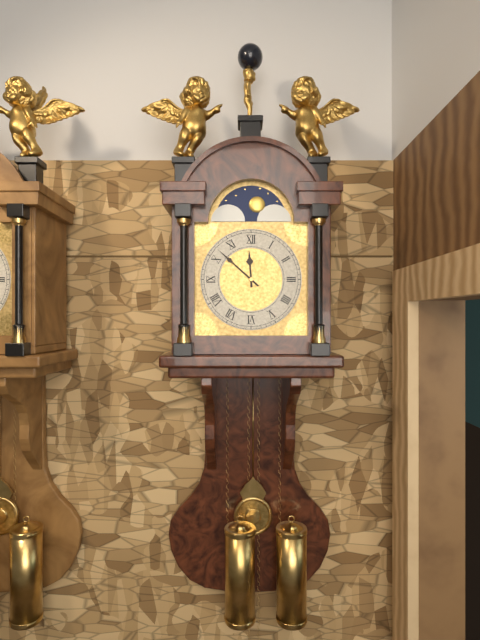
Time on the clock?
11:52
